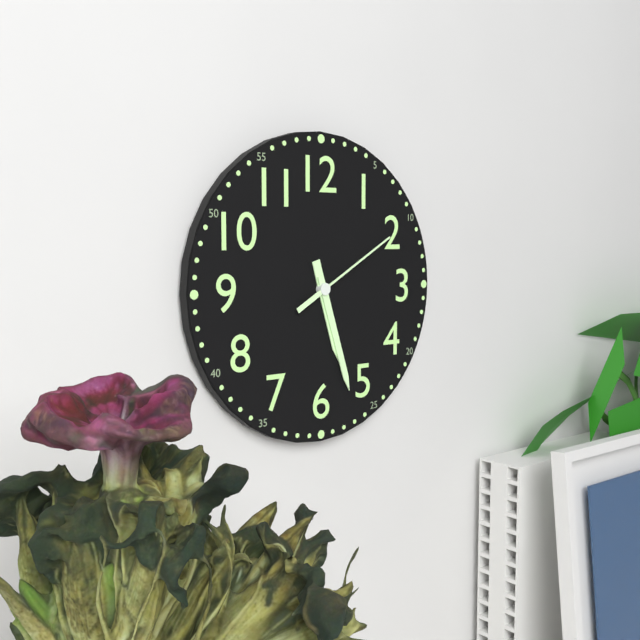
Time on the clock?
5:27:10
